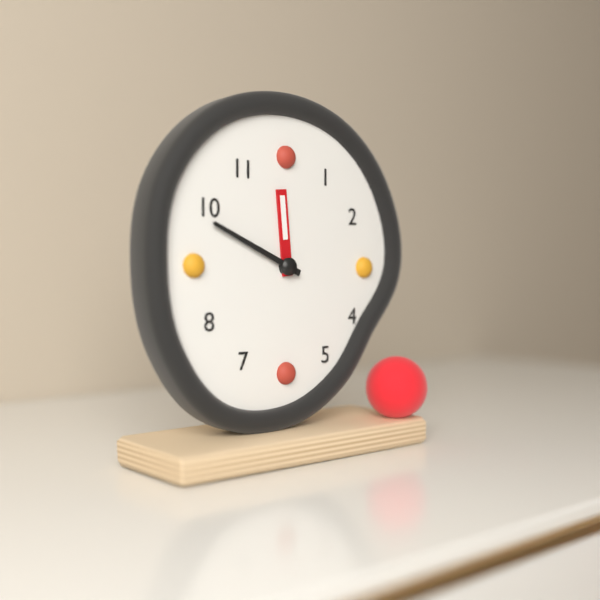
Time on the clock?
11:49
